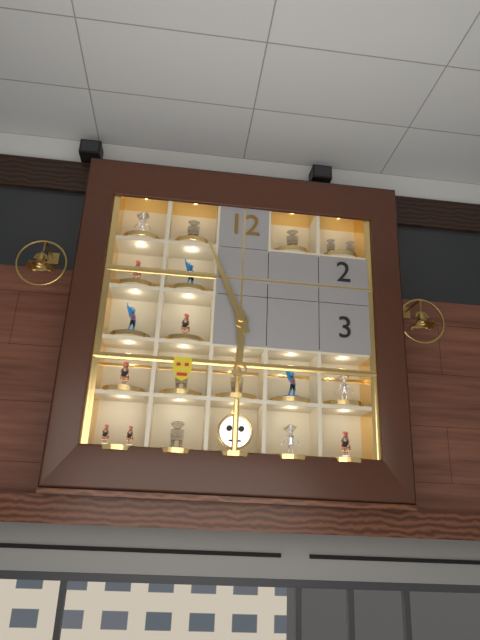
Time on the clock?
5:56
